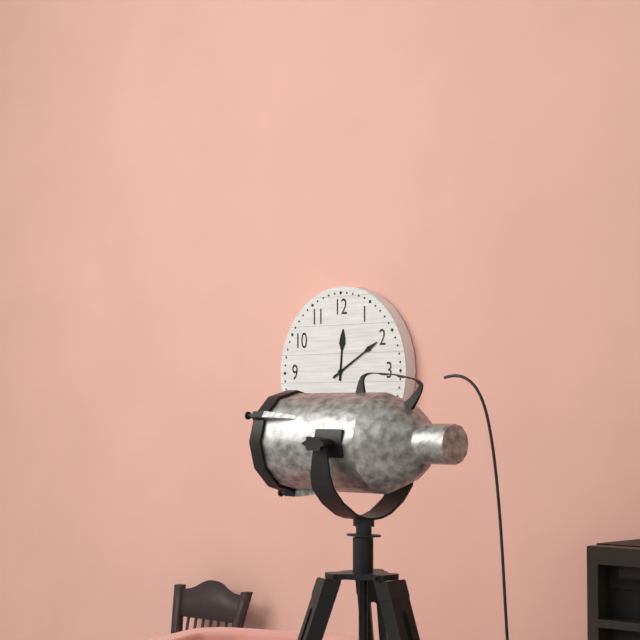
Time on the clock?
12:10
